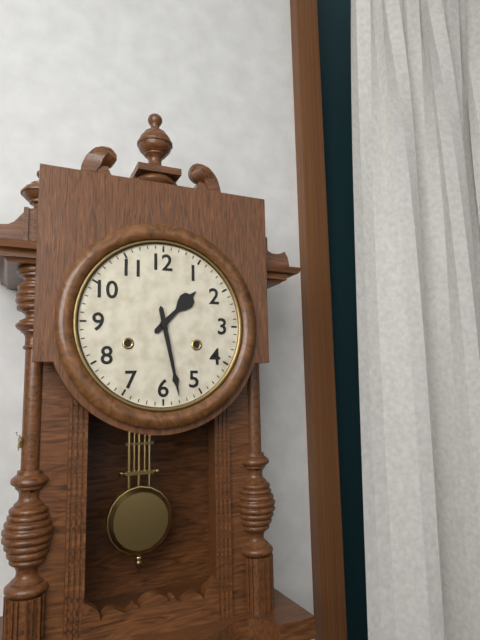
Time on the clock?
1:28
